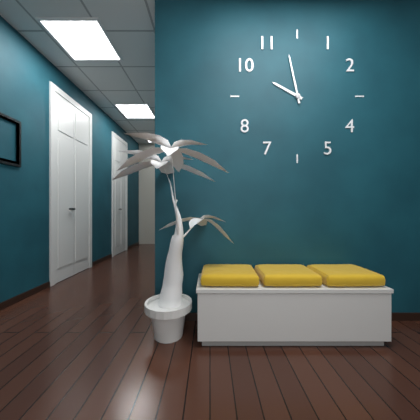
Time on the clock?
9:58
